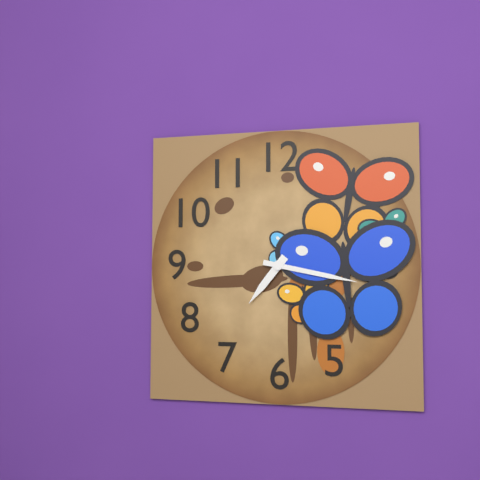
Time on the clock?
7:17
